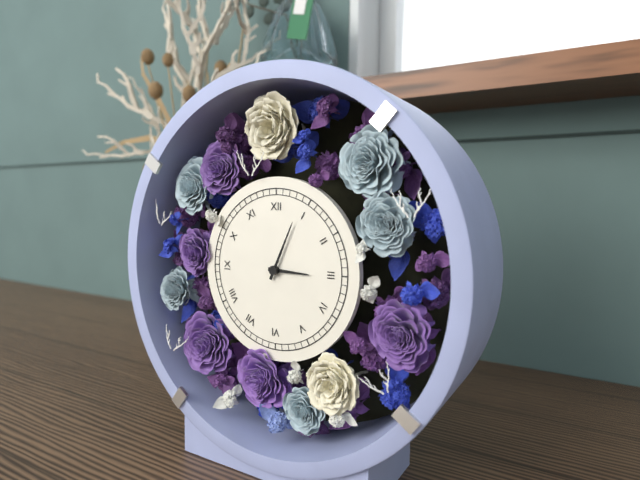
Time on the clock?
3:04
